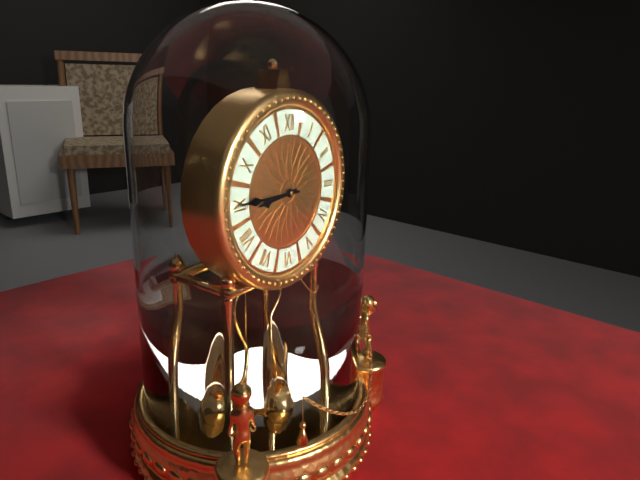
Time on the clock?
8:45
